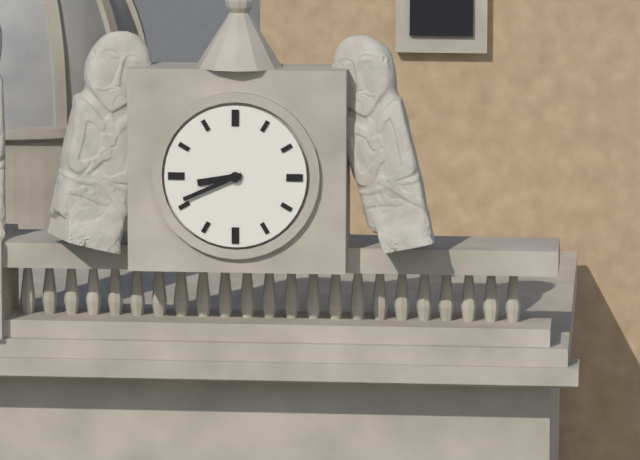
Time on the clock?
8:41
